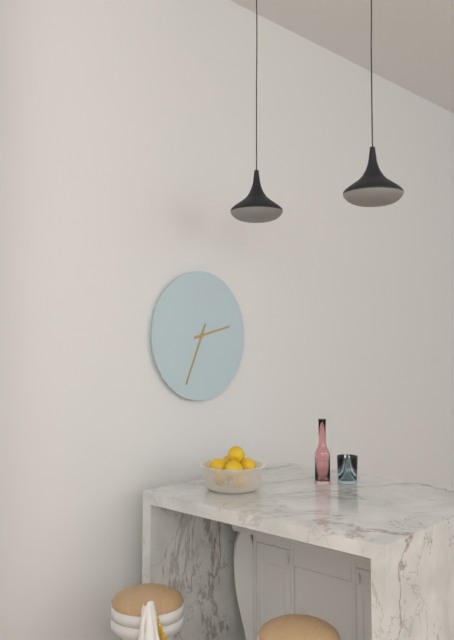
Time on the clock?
2:34
